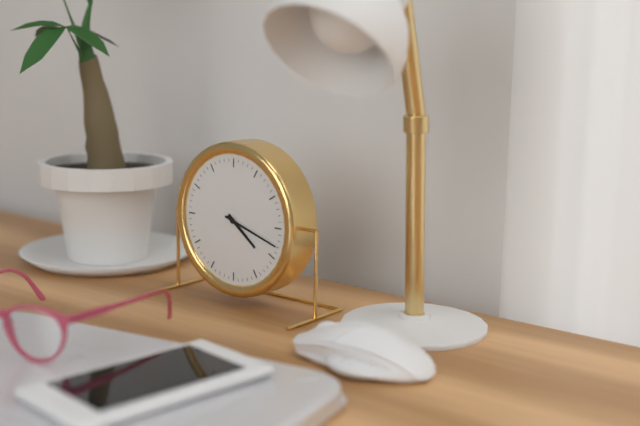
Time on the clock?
4:18
